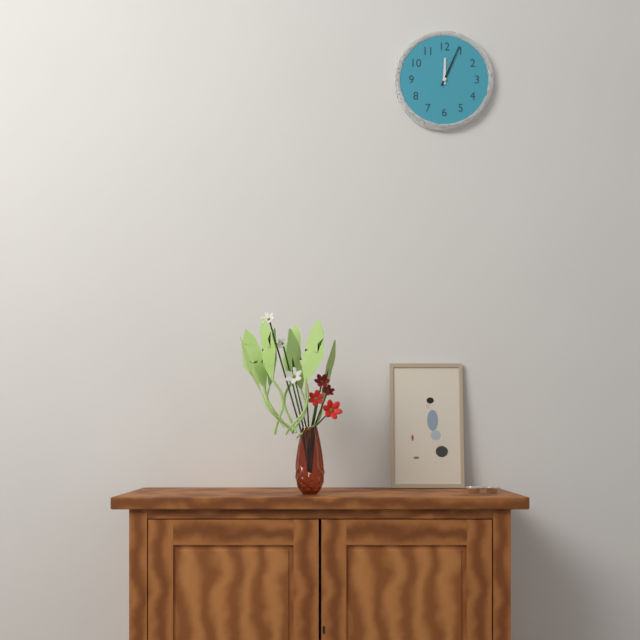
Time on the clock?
12:04
